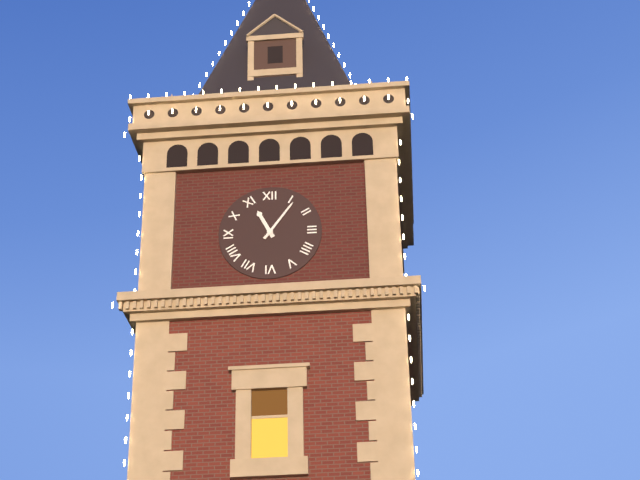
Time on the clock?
11:06
